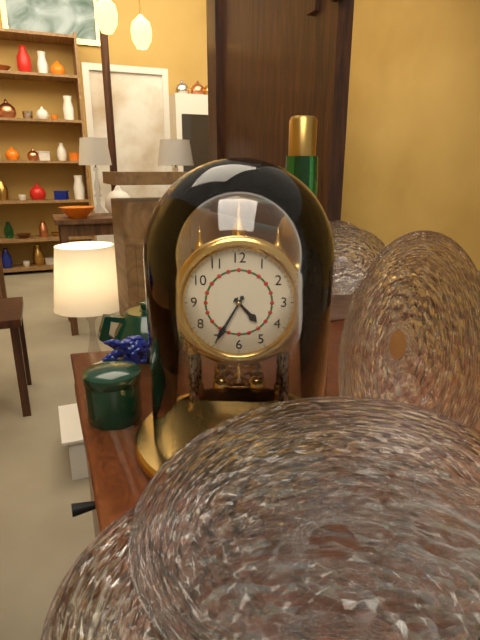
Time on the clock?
4:35
